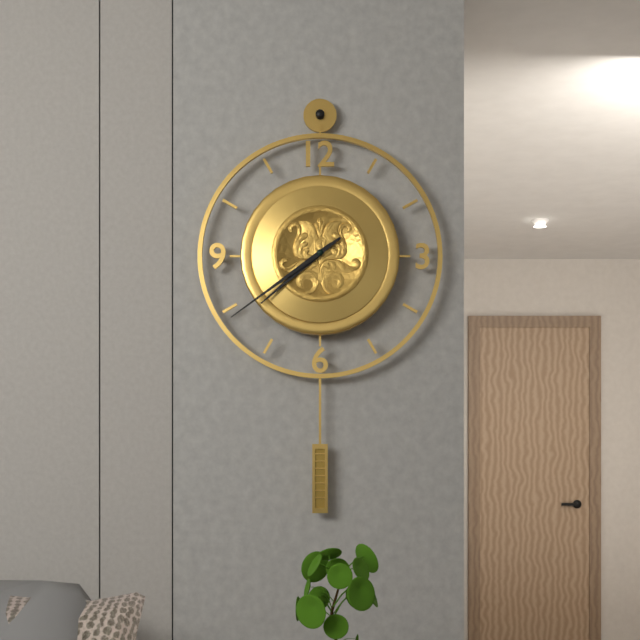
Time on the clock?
7:39
